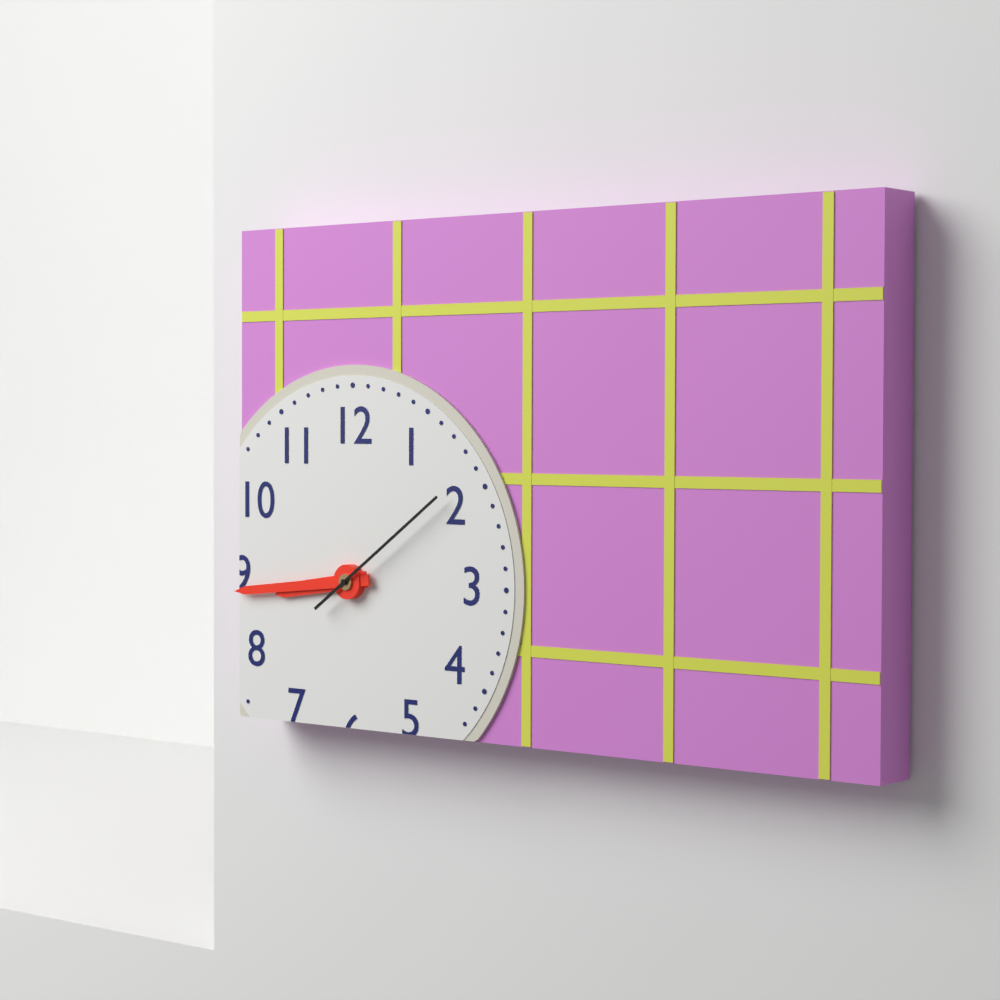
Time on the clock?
8:44:09
